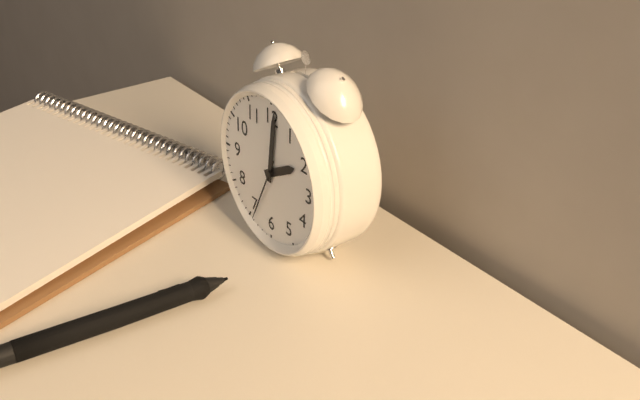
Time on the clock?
2:01:34
